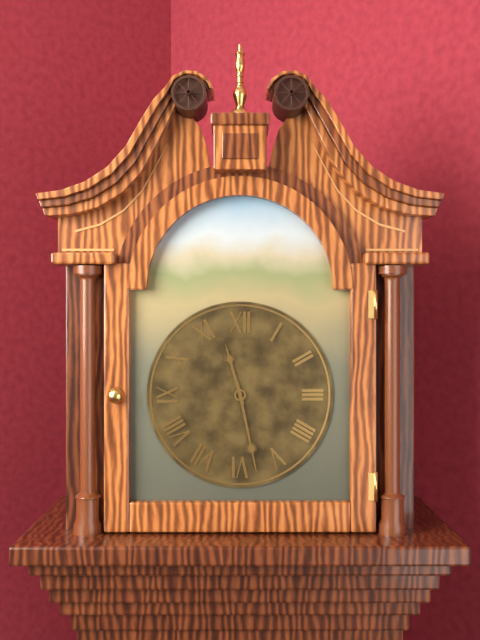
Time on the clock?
11:28
